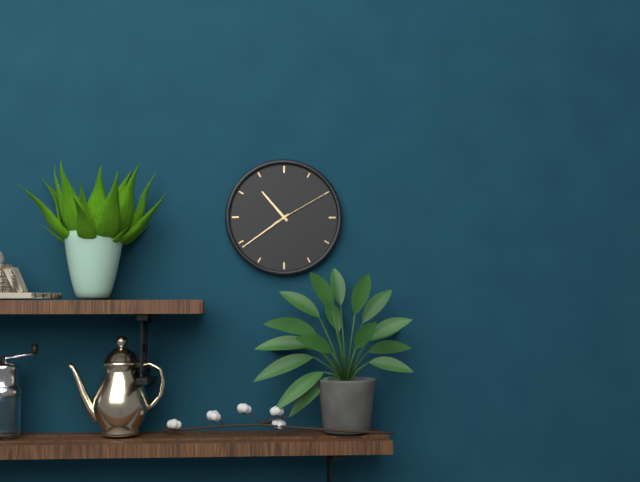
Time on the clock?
10:39:10
